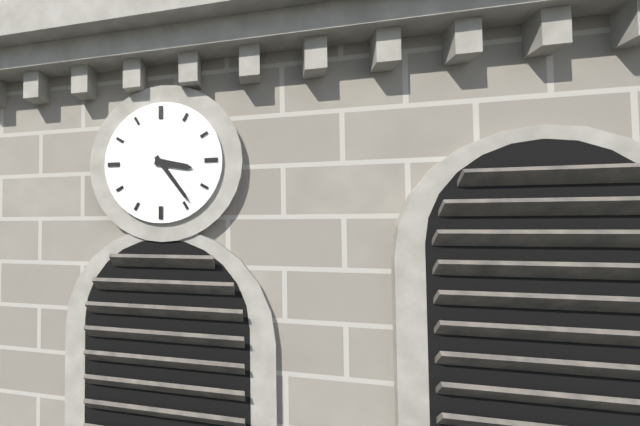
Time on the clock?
3:24
